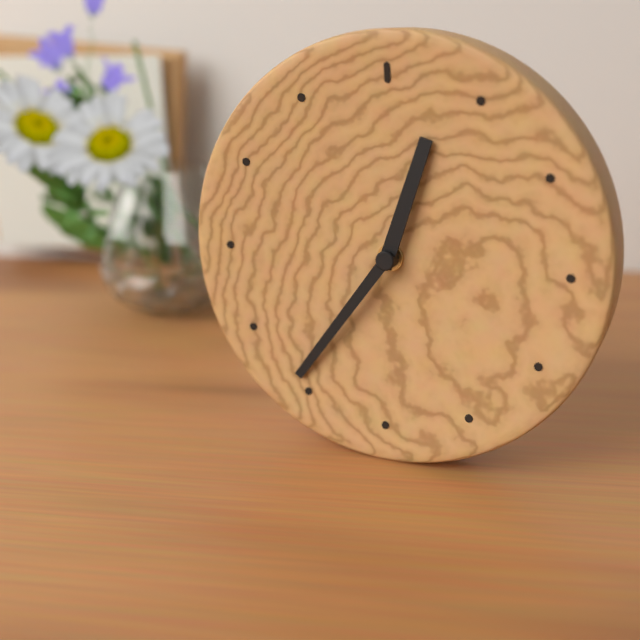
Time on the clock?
12:36
